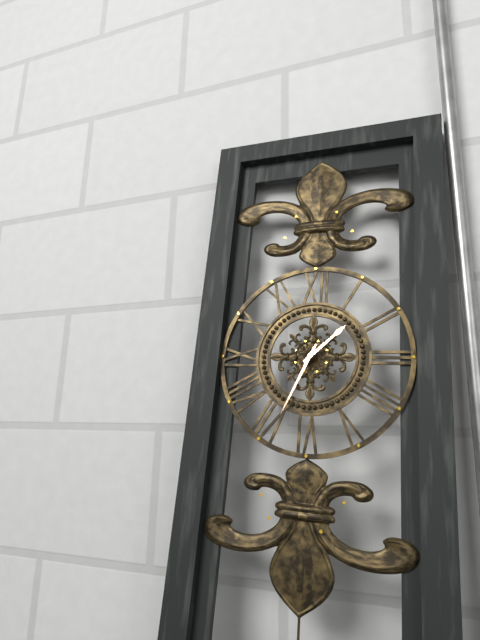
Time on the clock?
1:34
